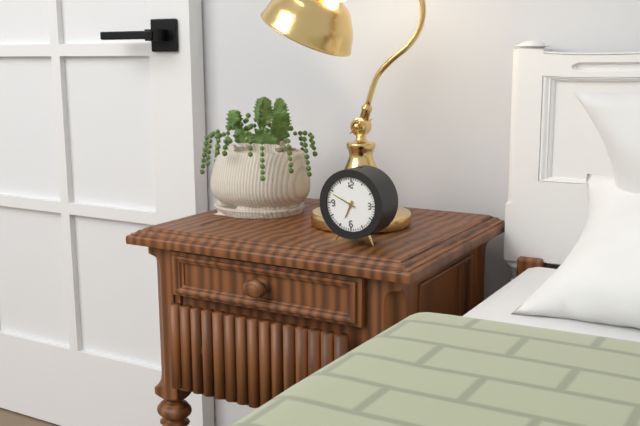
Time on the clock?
6:49
